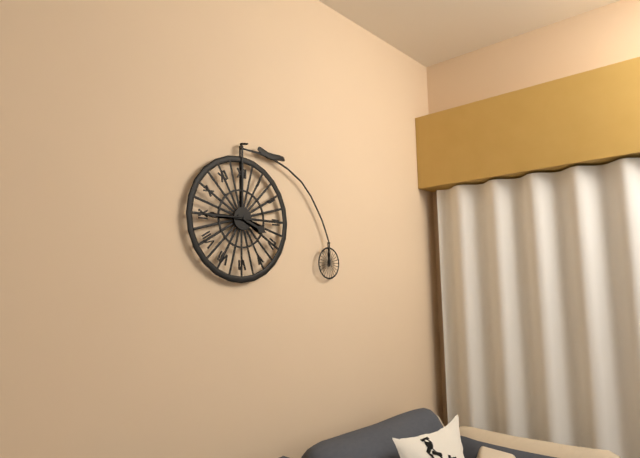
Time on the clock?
3:45
